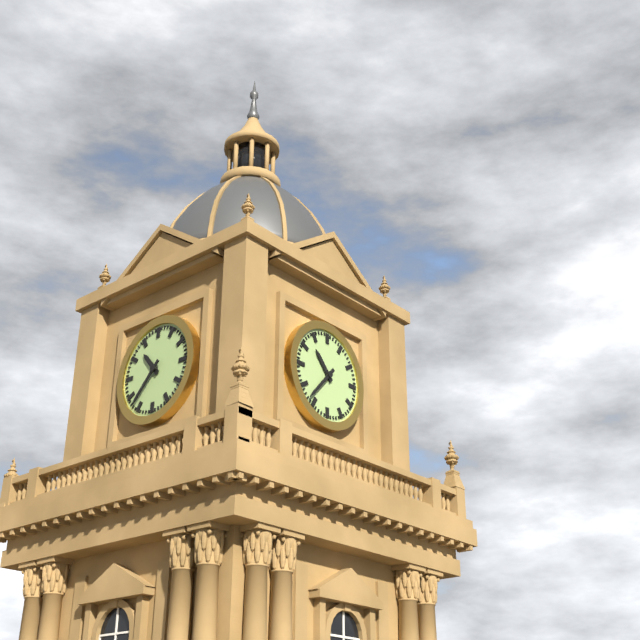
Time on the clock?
10:37
